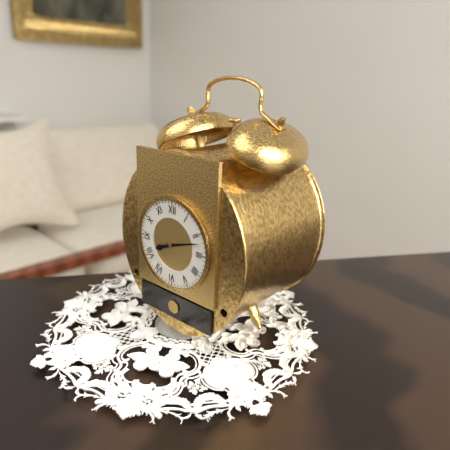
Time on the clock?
8:12
